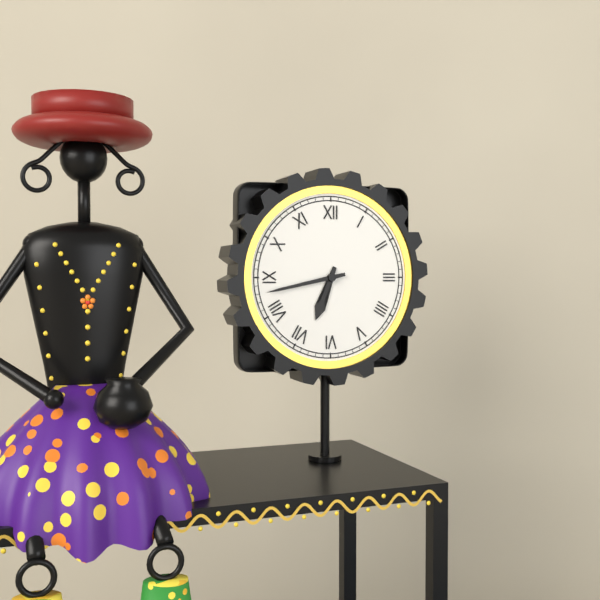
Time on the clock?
6:43
